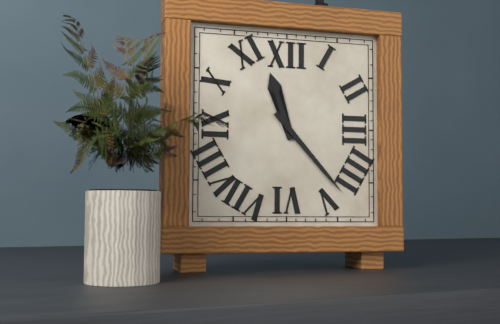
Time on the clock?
11:23
